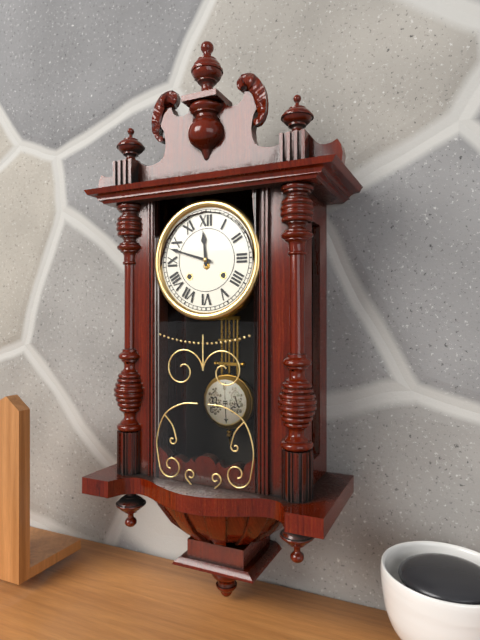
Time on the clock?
11:48
